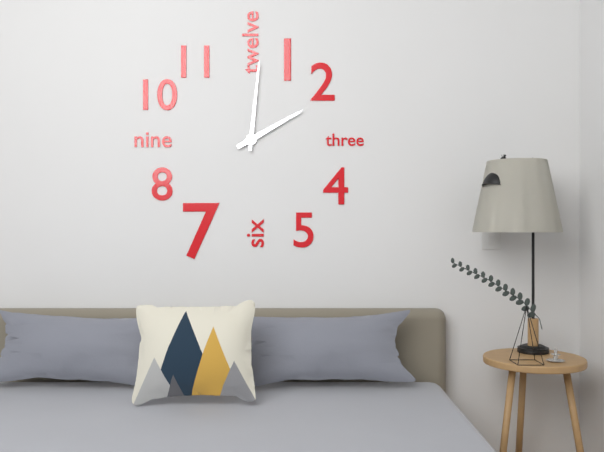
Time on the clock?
2:01
